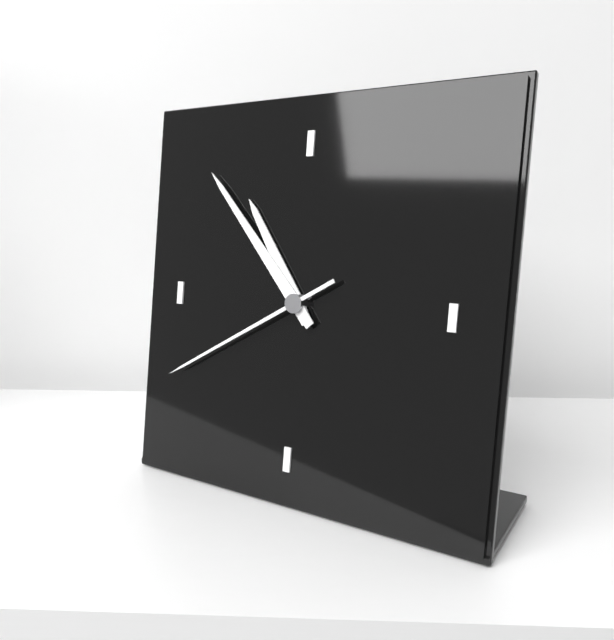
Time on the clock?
10:53:40
